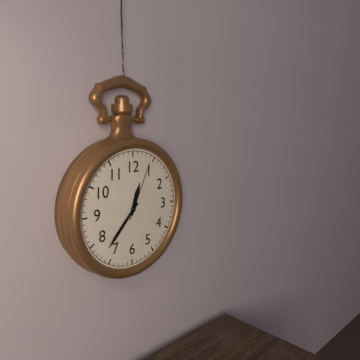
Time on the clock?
12:37:04
